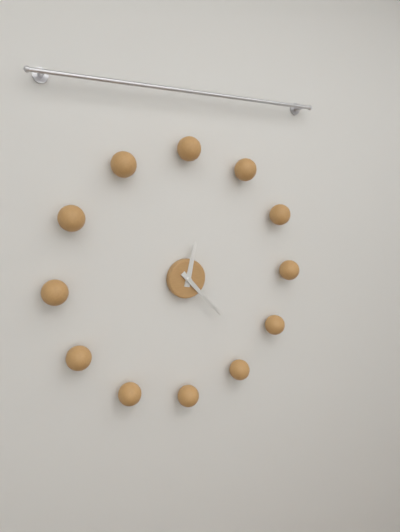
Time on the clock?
12:23
